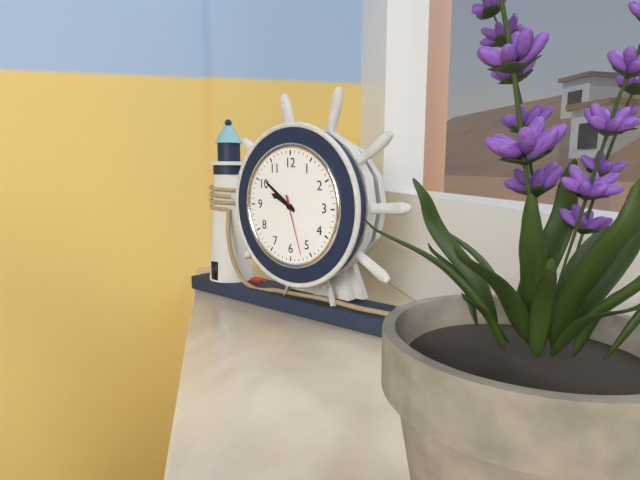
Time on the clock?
9:51:27
